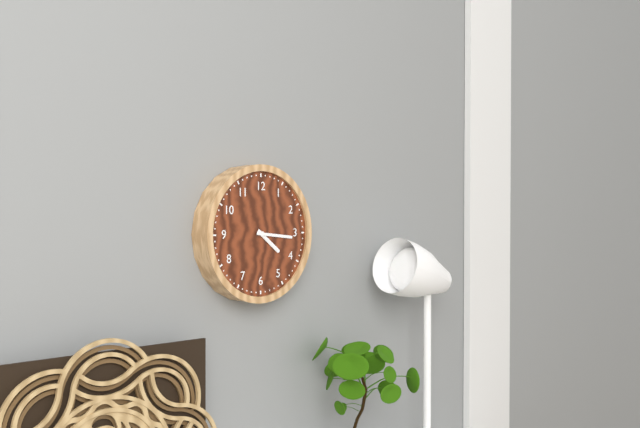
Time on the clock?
4:16
